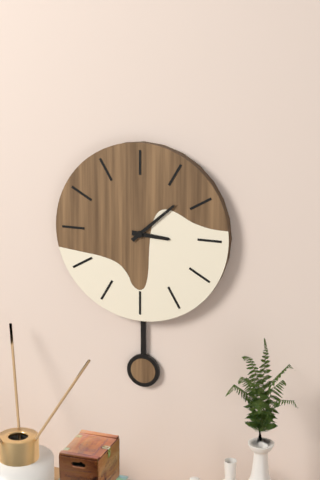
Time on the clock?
3:08
